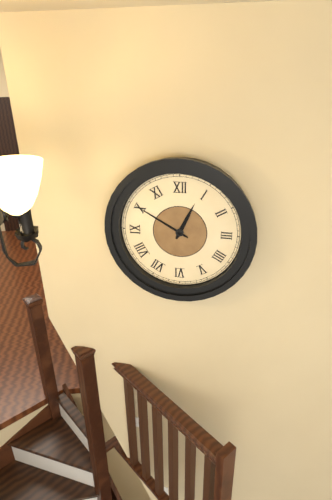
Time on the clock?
12:50
